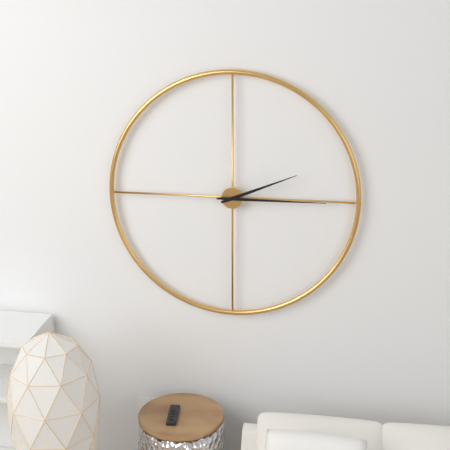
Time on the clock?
2:15
